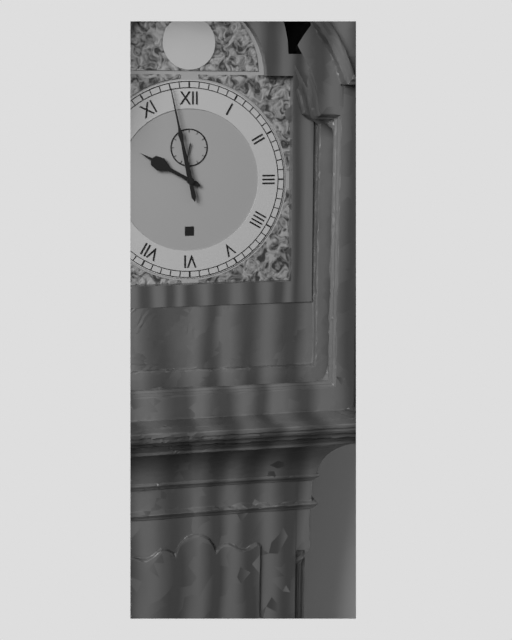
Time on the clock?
9:58
